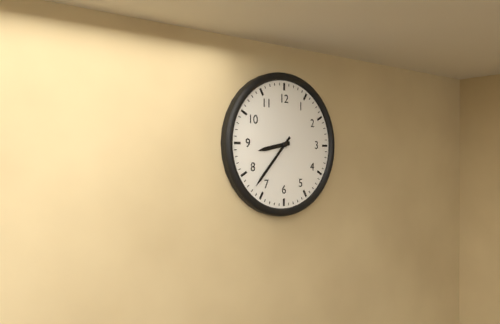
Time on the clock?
8:37
